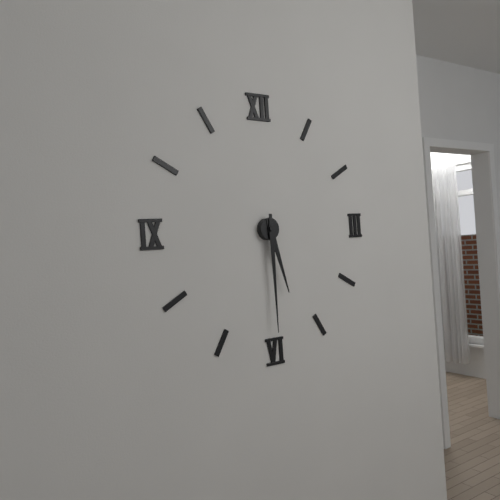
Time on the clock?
5:30
